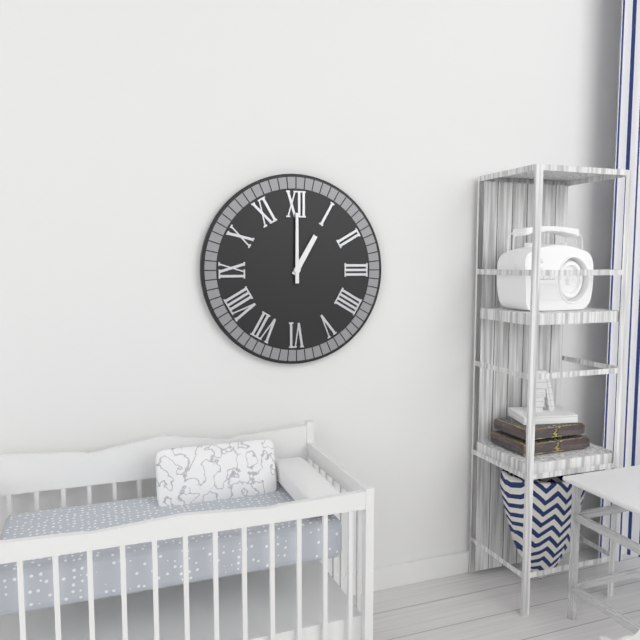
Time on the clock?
1:00
